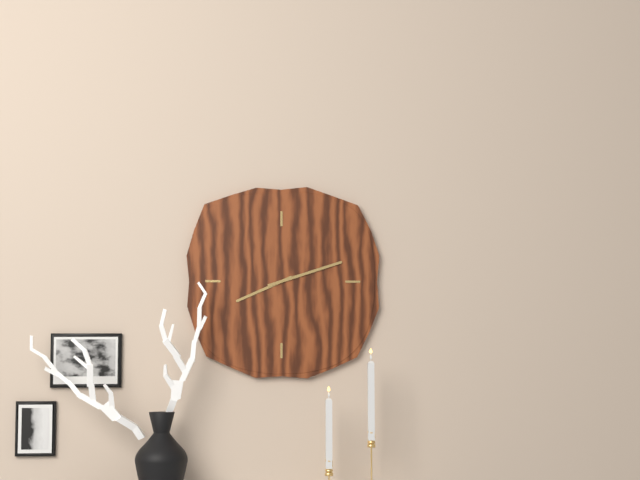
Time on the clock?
8:12
